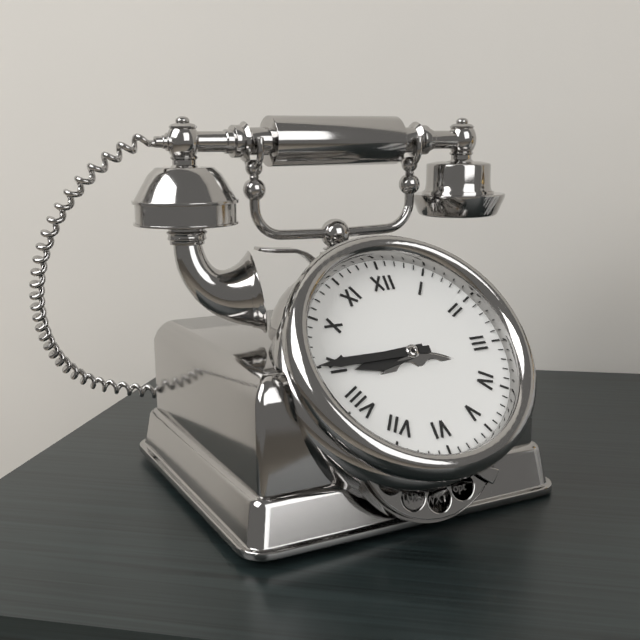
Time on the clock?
8:45
